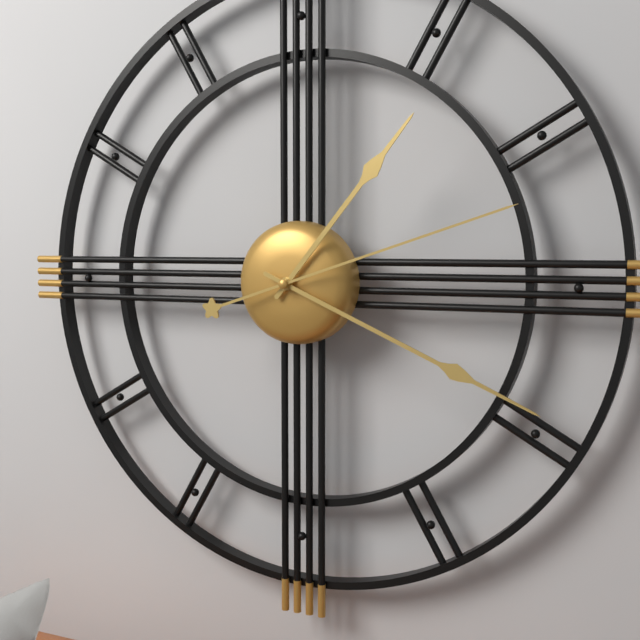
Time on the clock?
1:19:12
